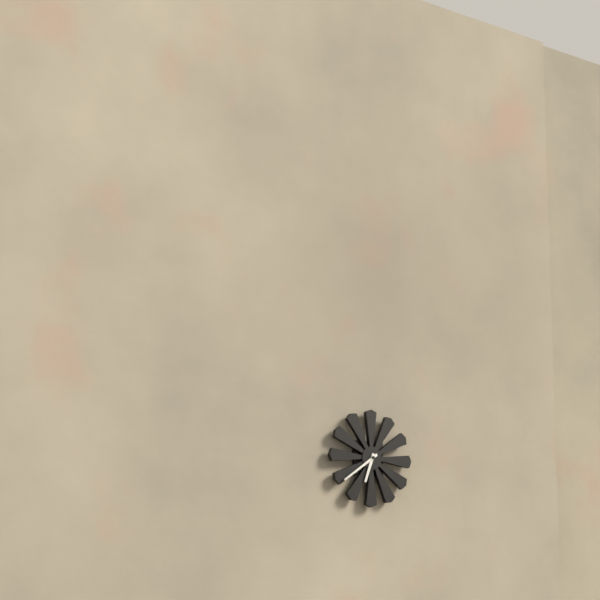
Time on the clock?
6:39
